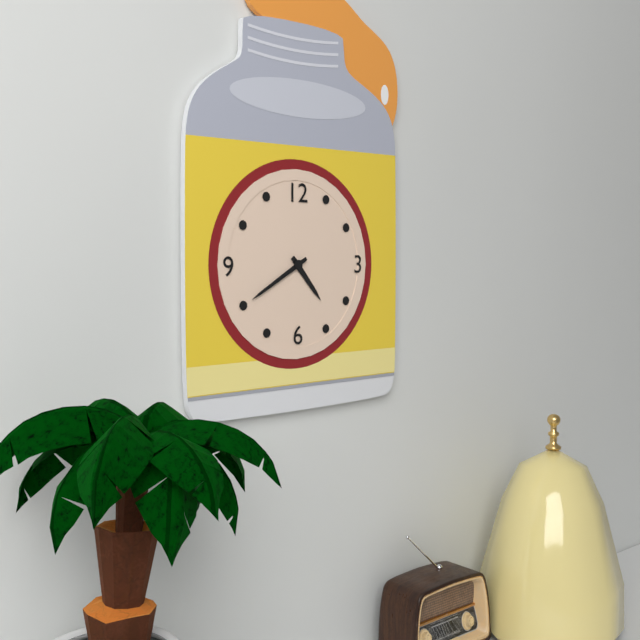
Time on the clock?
4:40
